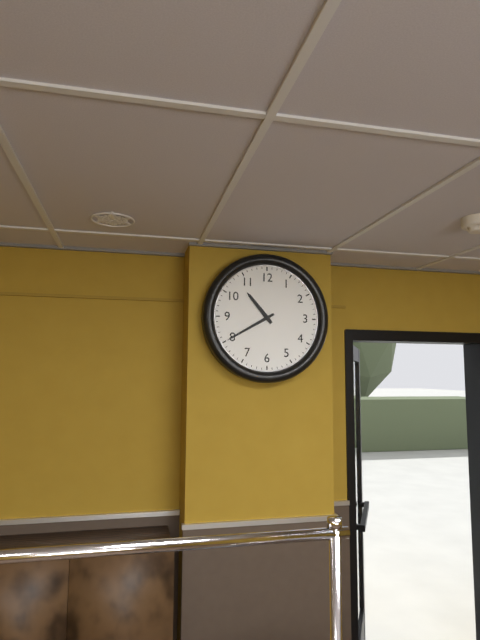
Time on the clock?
10:40
